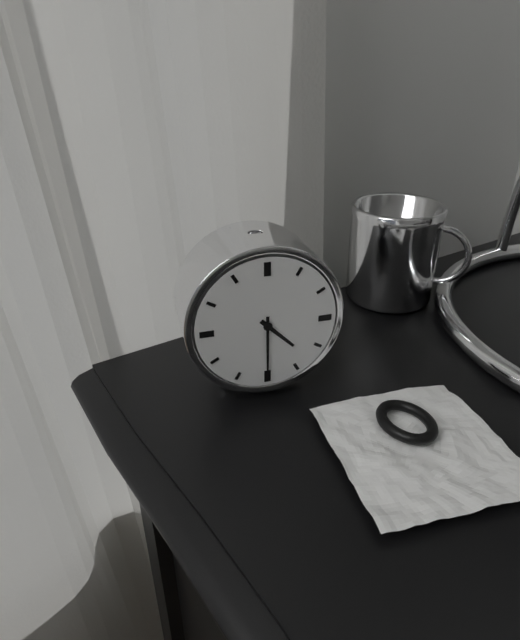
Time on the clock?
4:30
